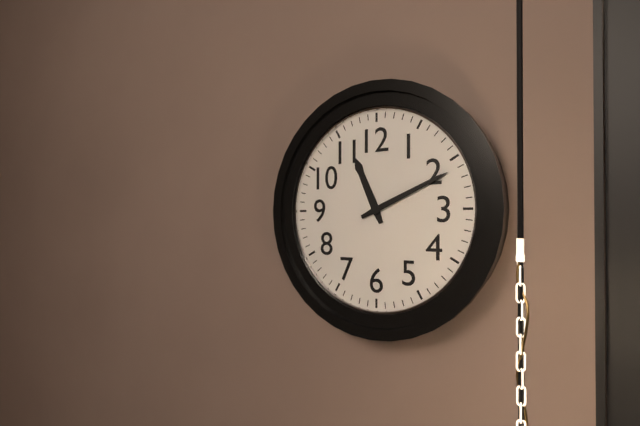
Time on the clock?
11:11
